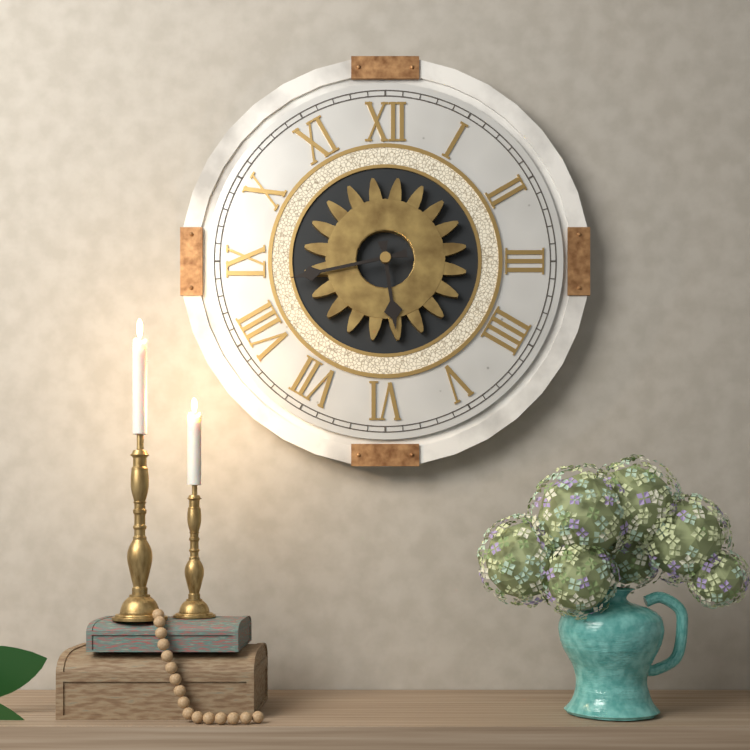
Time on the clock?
5:43
